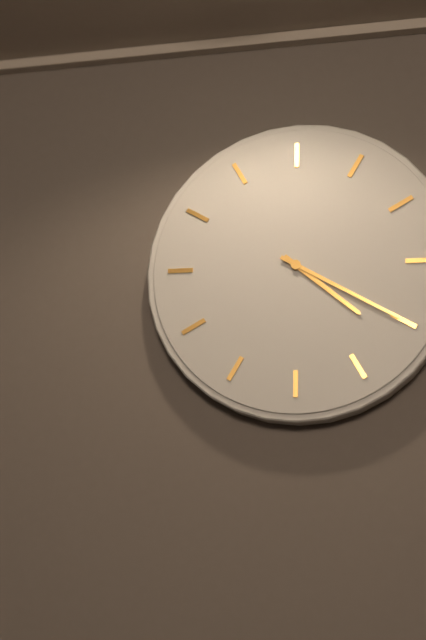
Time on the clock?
4:20
